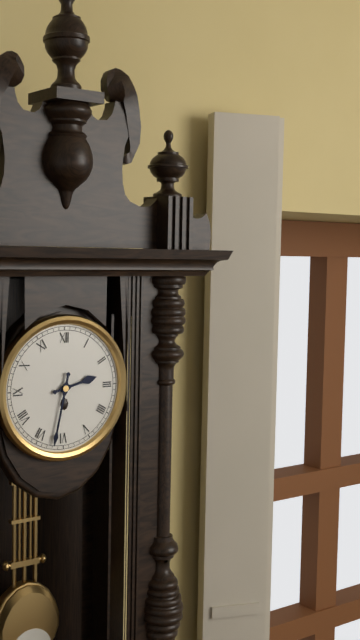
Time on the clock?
2:32
